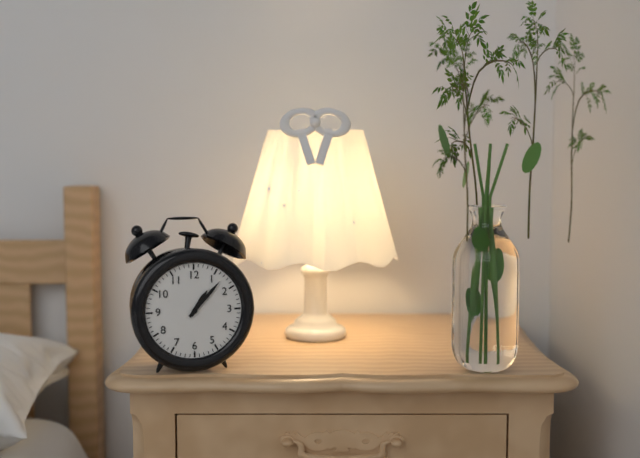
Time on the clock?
1:07
